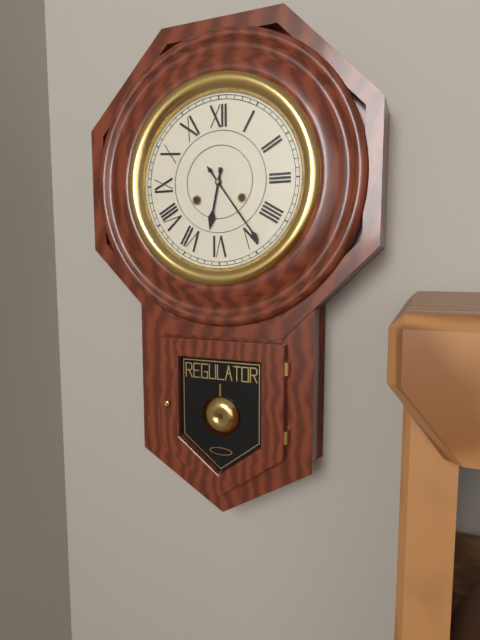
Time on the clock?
6:24
